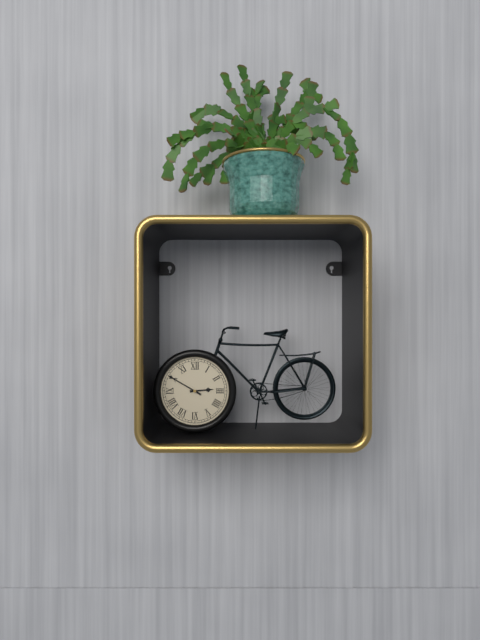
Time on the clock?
2:50
